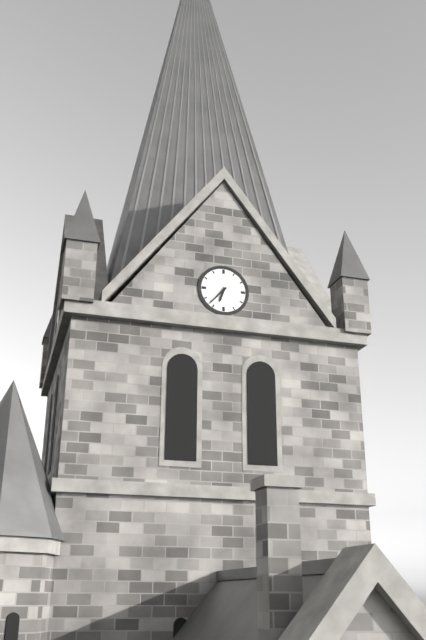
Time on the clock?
6:37
